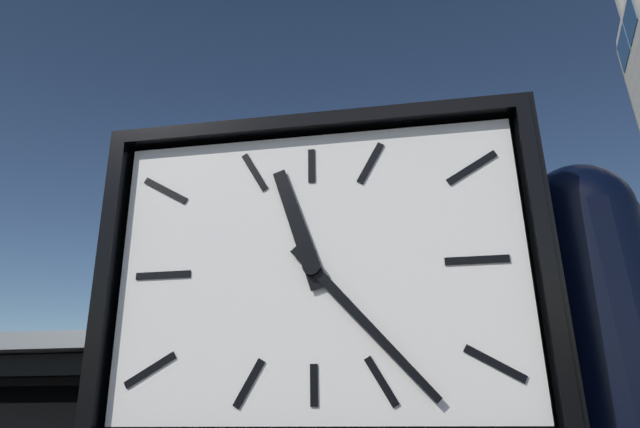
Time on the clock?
11:23
